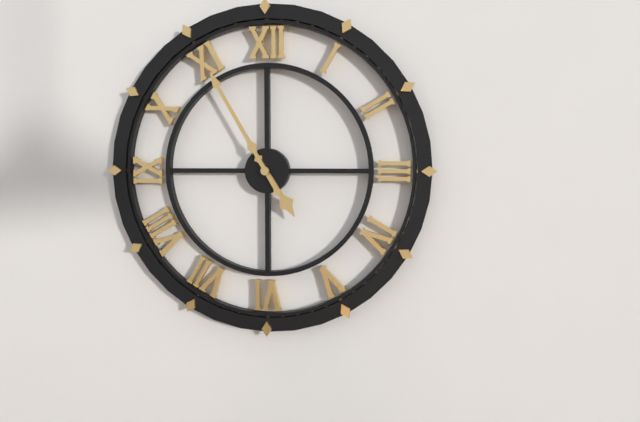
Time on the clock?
4:55
